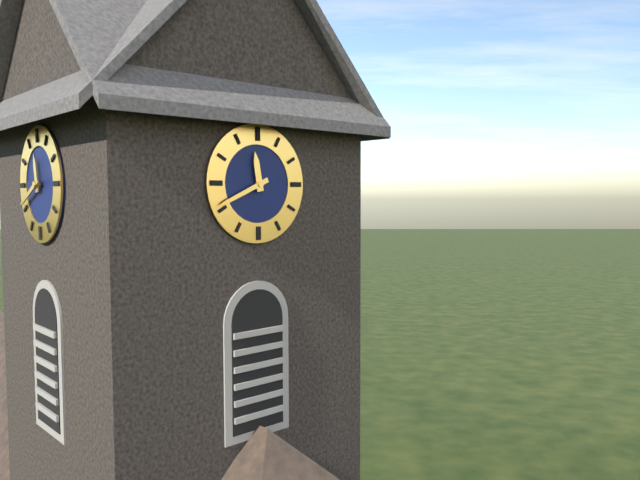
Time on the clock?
11:41
